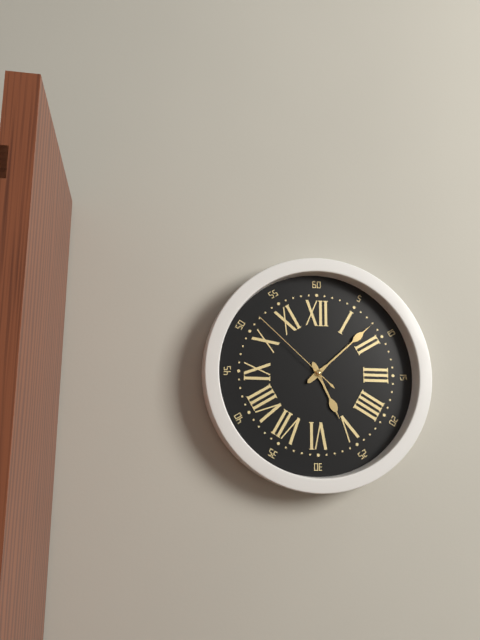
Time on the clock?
5:08:52
